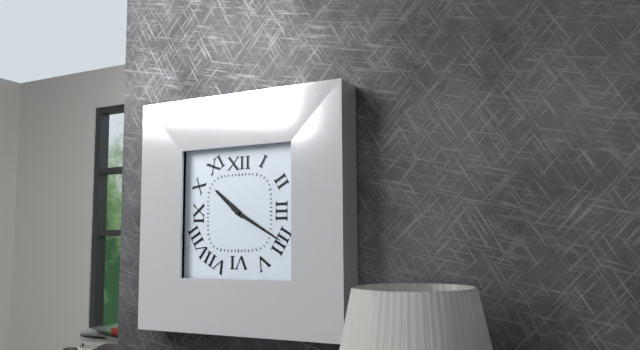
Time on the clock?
10:20
